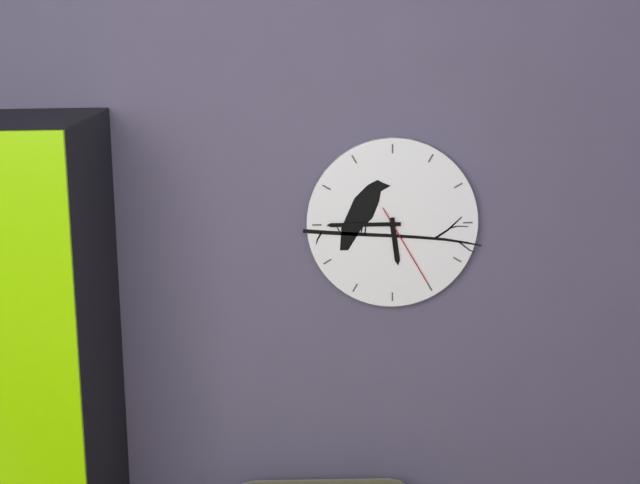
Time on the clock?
5:45:25
